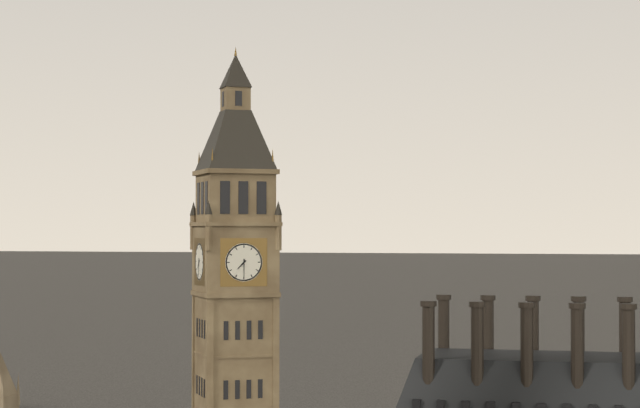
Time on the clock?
7:30
